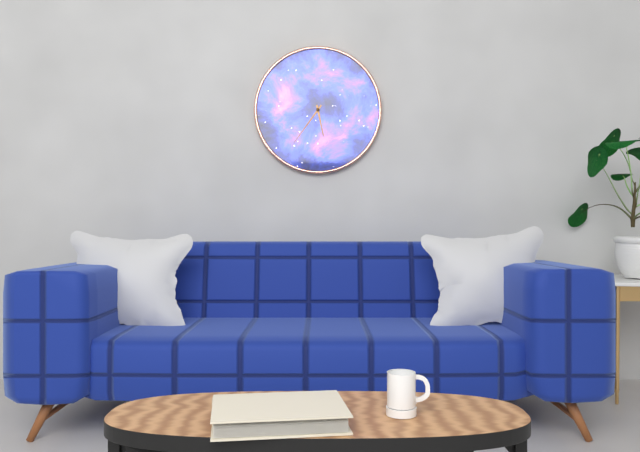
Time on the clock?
5:36
